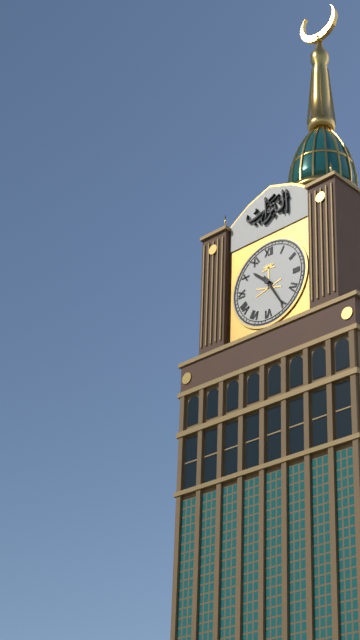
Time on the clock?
10:25
